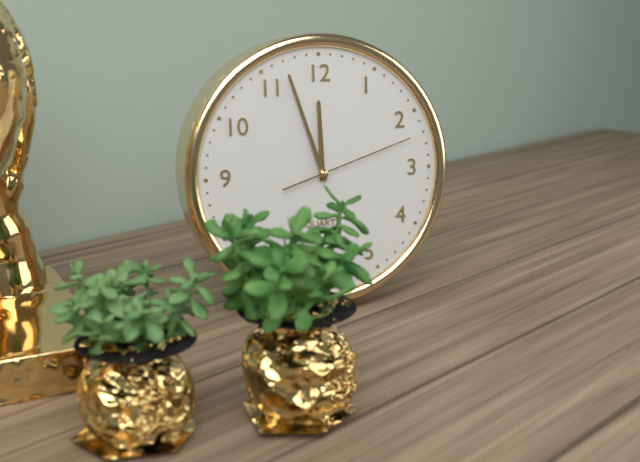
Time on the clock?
11:57:12
